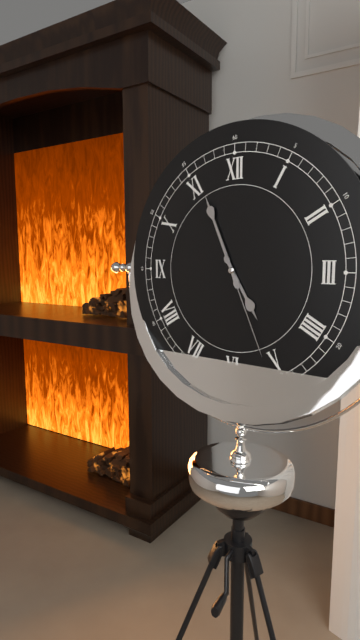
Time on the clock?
4:56:26
